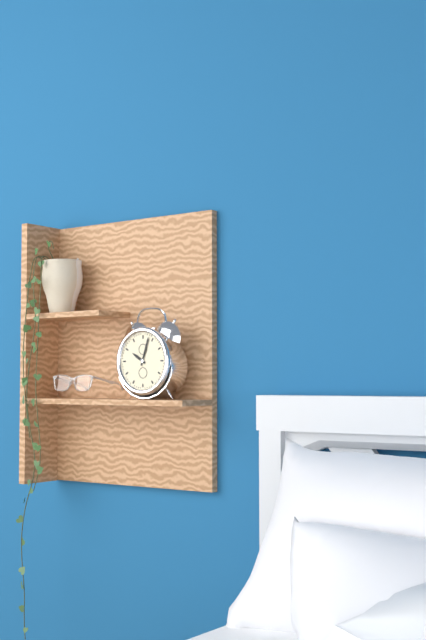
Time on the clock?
10:03
